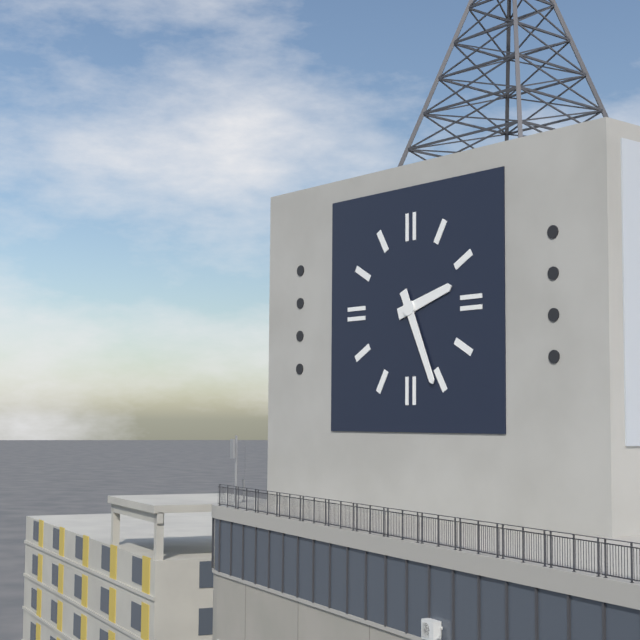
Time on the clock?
2:26
